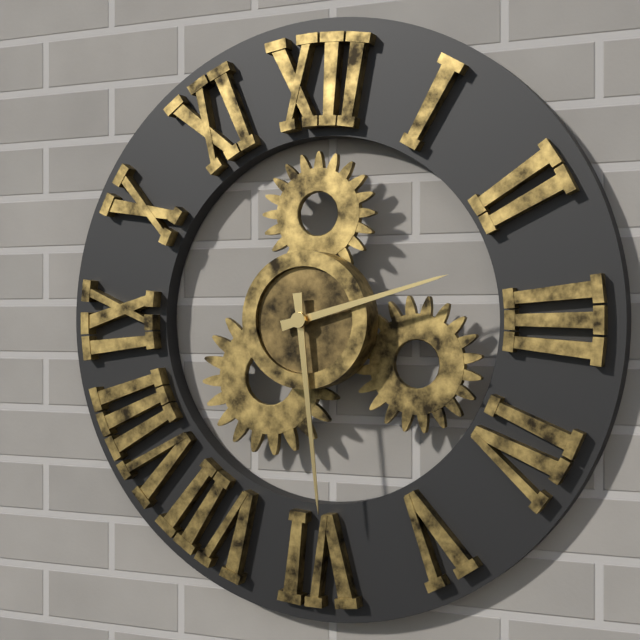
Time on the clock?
2:29
